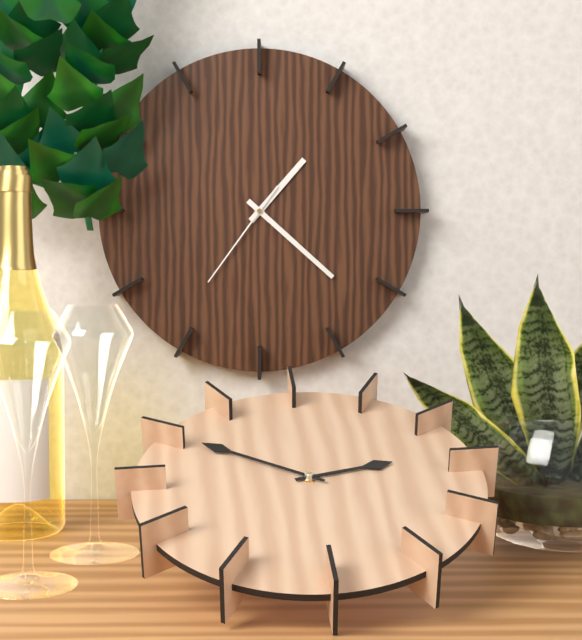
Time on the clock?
1:22:36
